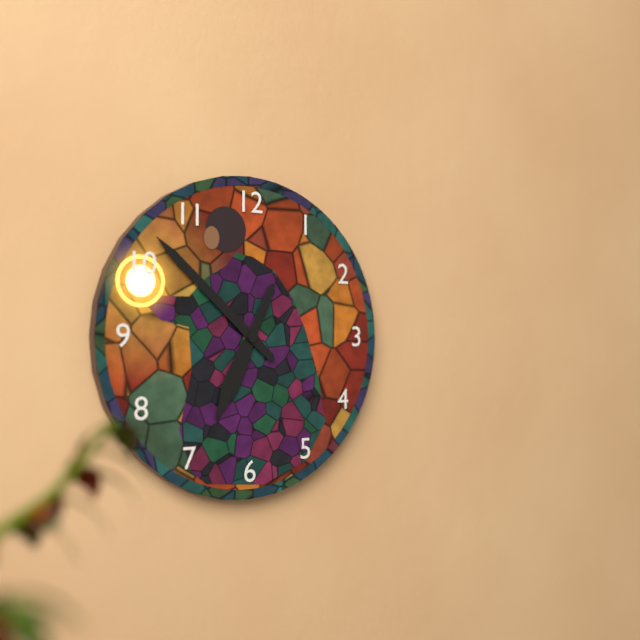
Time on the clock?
6:52
